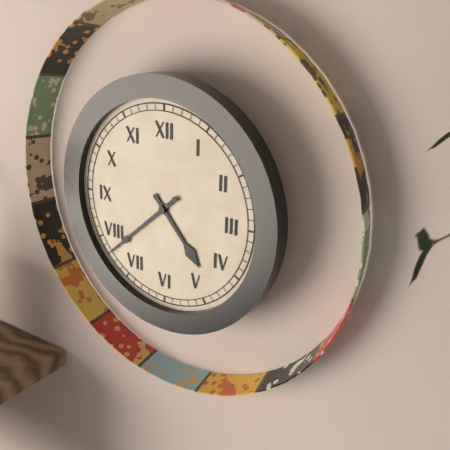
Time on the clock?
4:38
